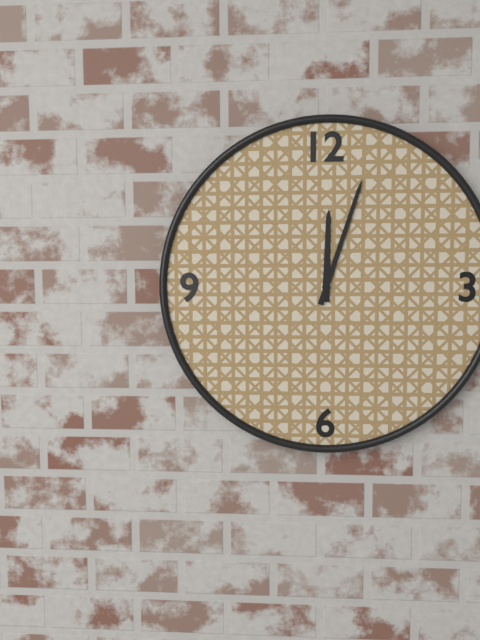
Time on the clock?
12:03
